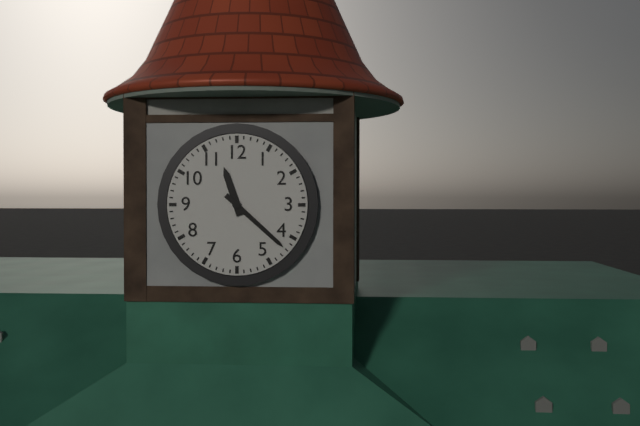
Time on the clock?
11:22
